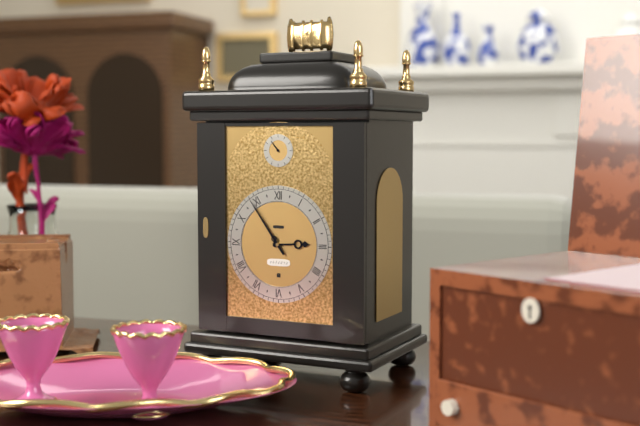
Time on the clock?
2:54
